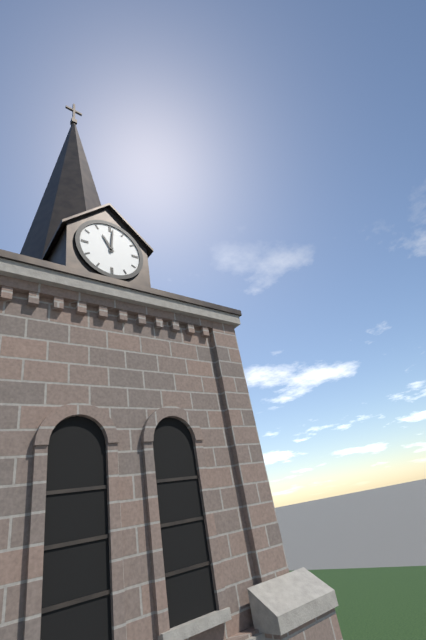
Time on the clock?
11:01
